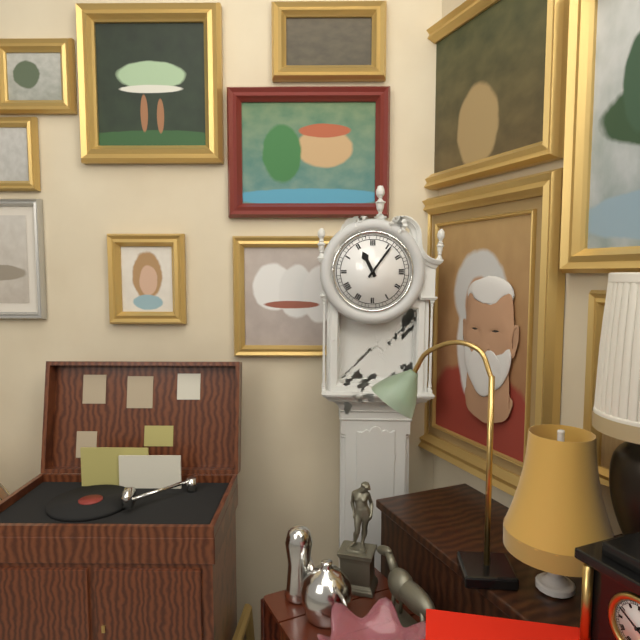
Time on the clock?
11:06
